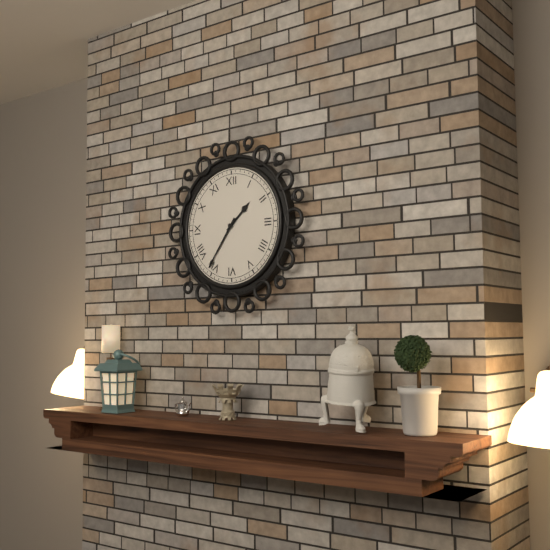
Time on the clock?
1:36
